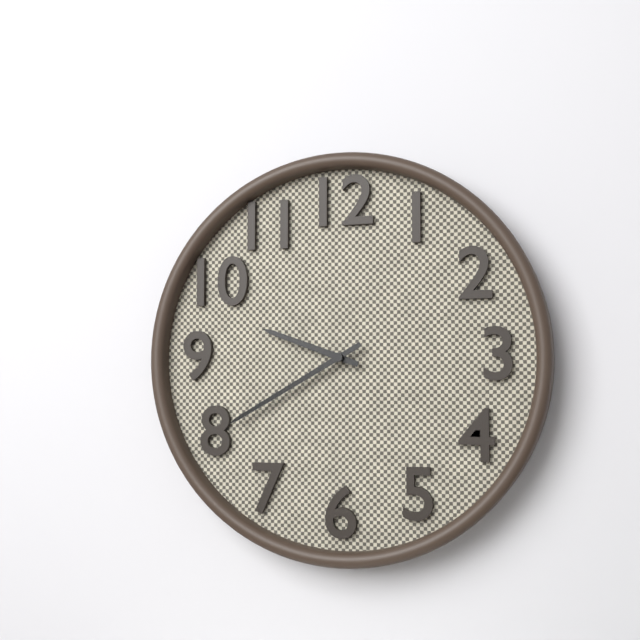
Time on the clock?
9:40
